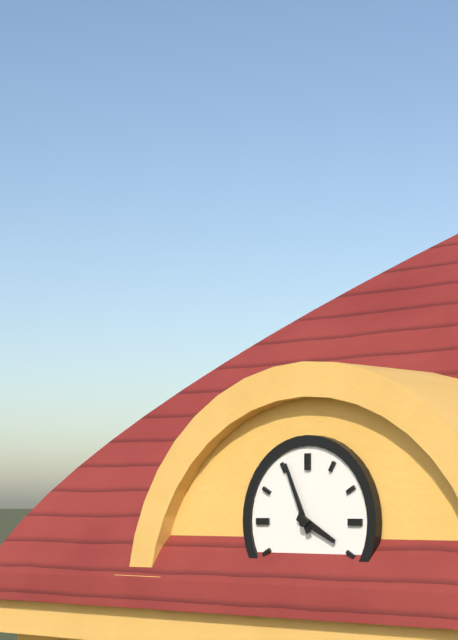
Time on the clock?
3:56
